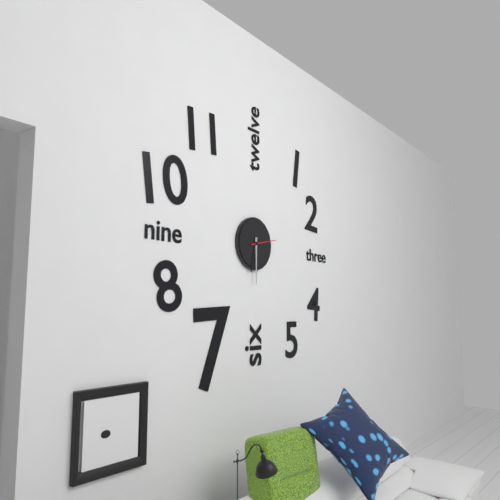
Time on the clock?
6:30
